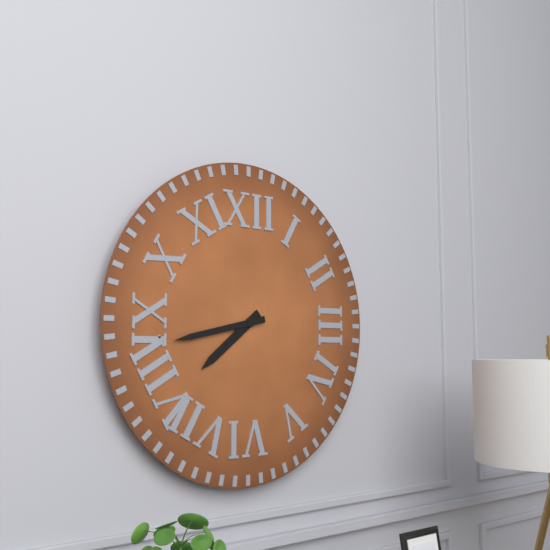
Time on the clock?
7:43
